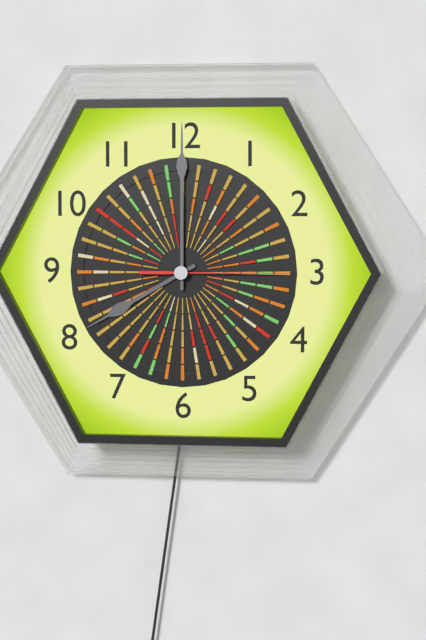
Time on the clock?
8:00:15
